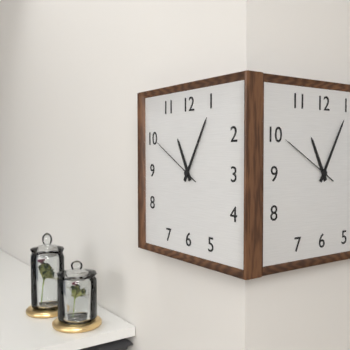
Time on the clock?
11:05:50
